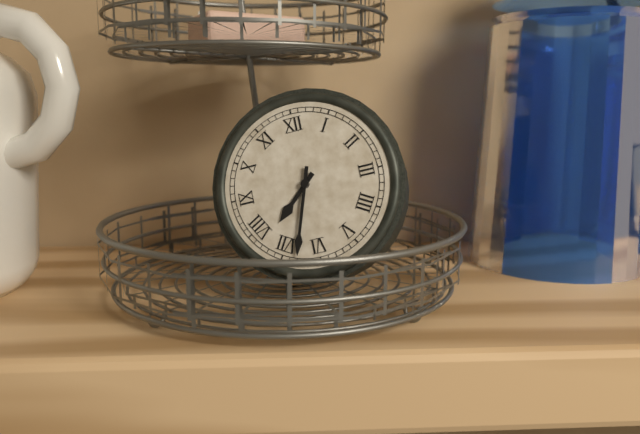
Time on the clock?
7:33
